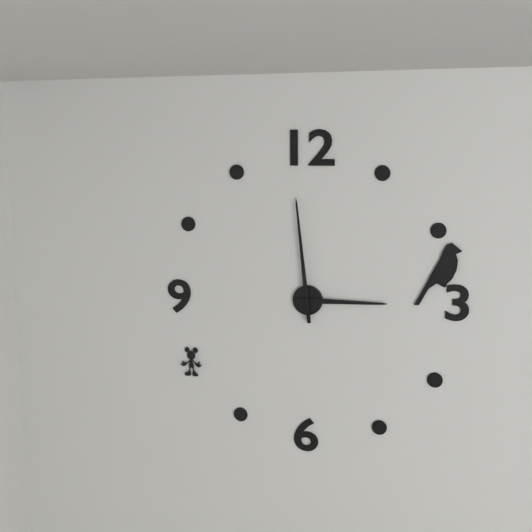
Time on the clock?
2:59
